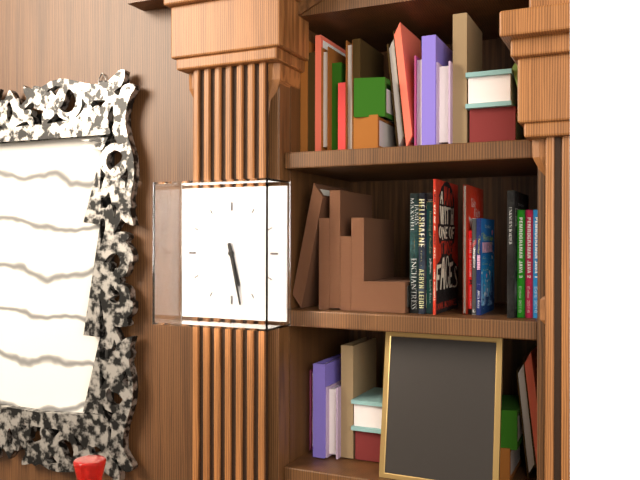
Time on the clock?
5:28
